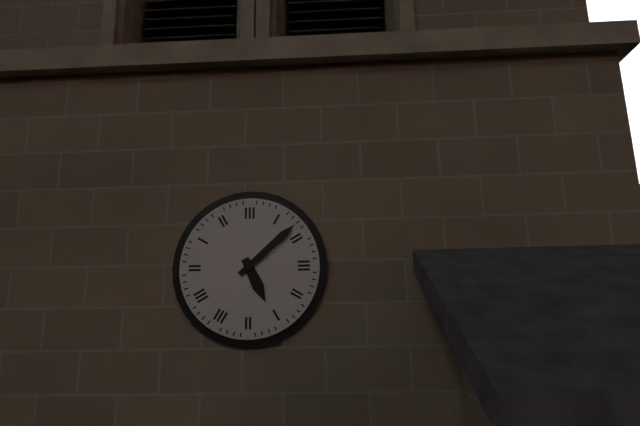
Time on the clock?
5:08
